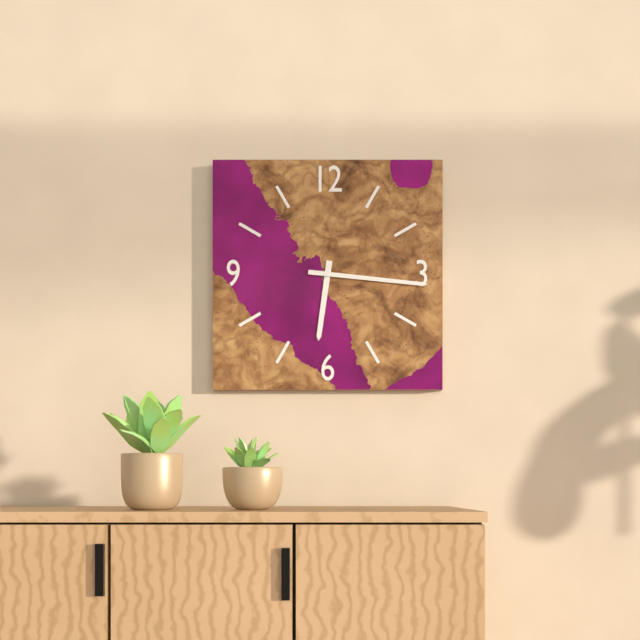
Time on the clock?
6:16
